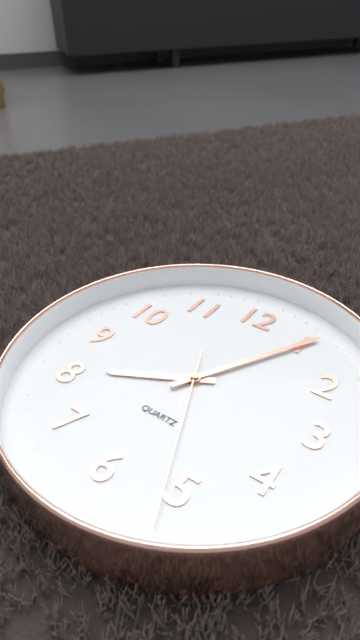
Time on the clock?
8:05:26
